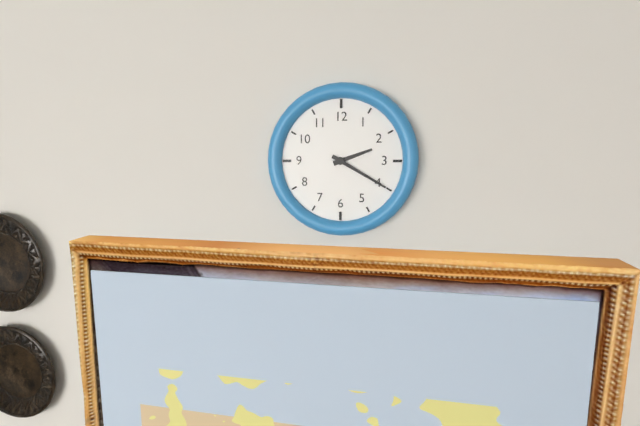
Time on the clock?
2:20
